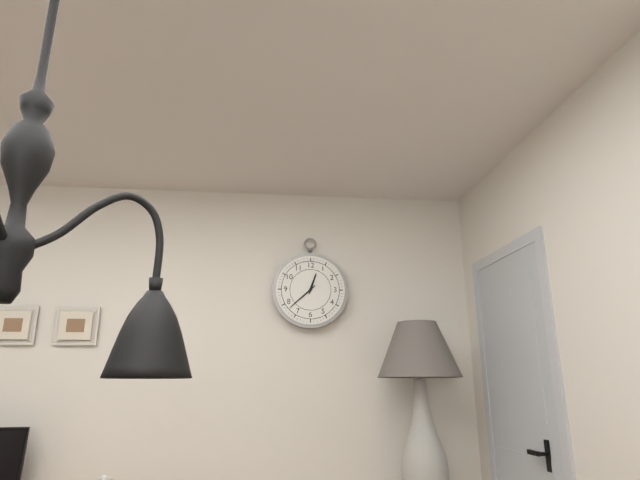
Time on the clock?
12:38
